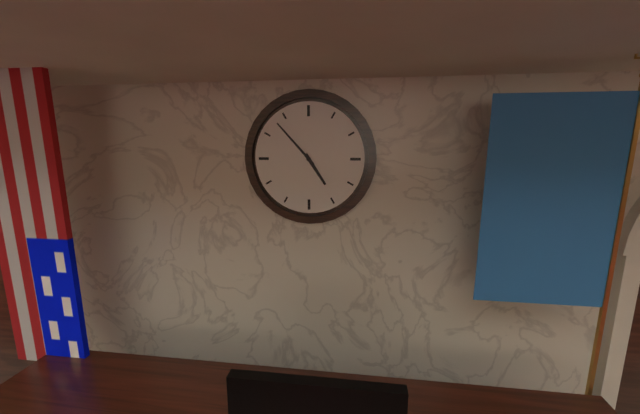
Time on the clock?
4:53
